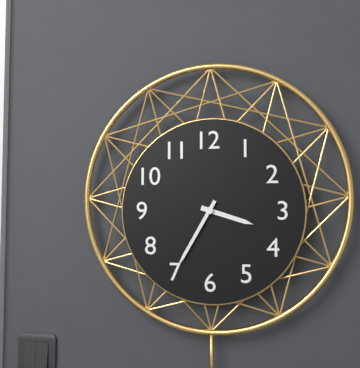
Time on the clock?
3:35
